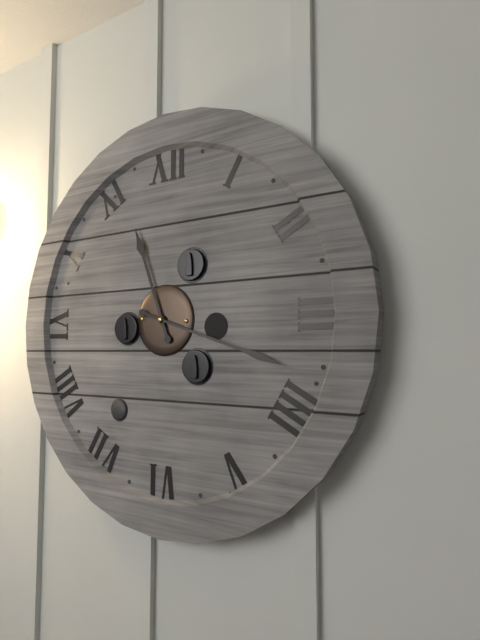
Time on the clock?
11:18
